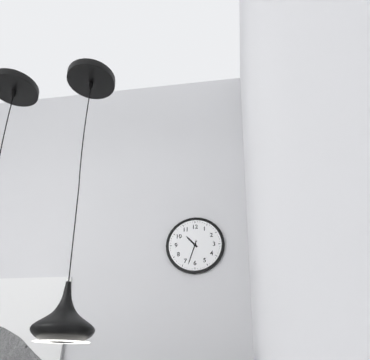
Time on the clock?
10:33
